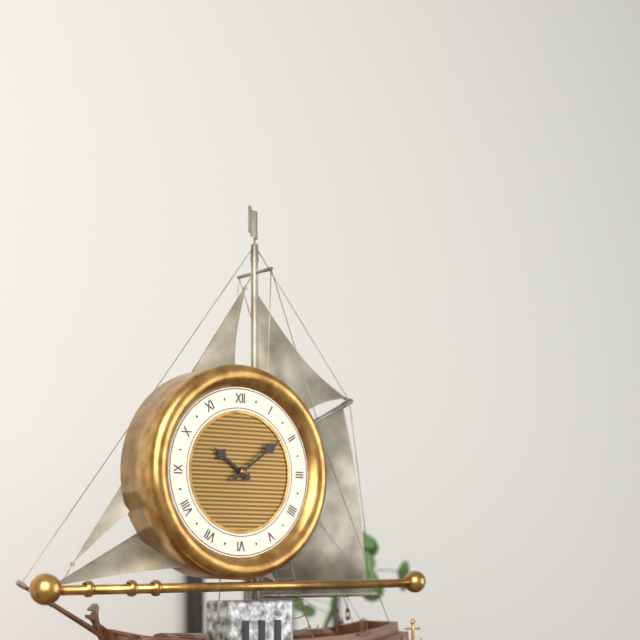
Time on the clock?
10:09
